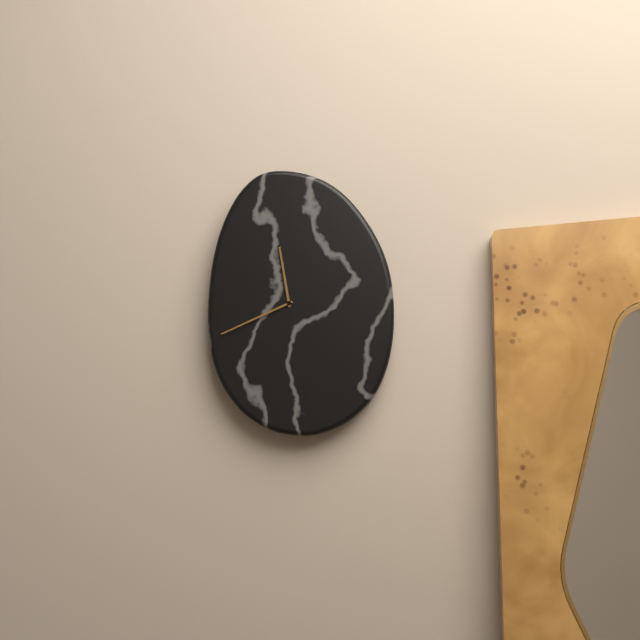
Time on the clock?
11:41
